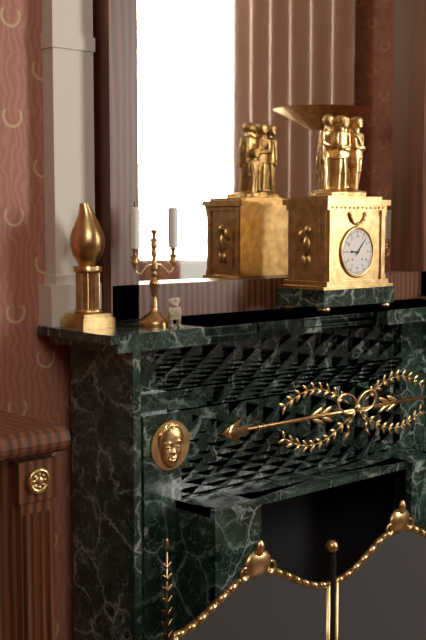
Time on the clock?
9:07
